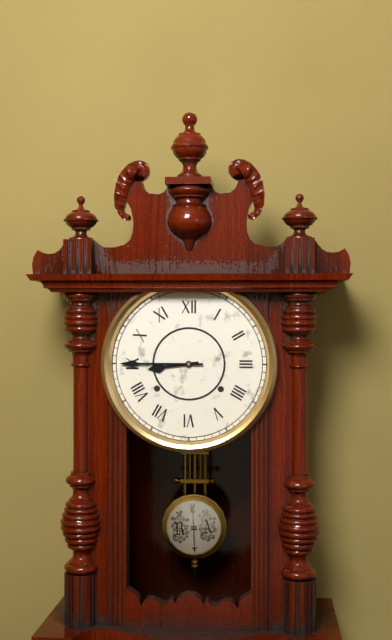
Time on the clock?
8:45
